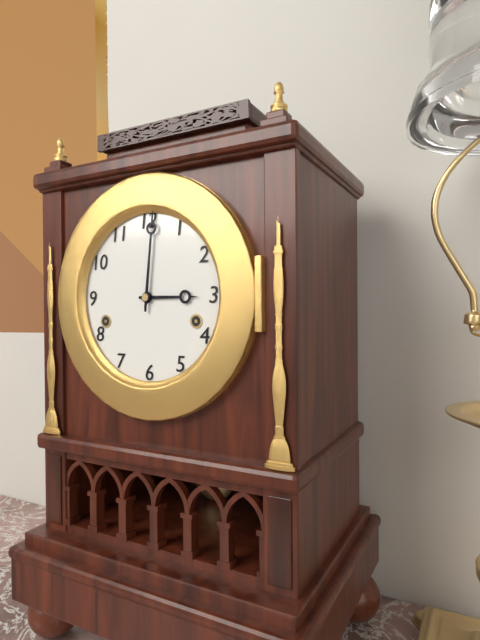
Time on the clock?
3:01
